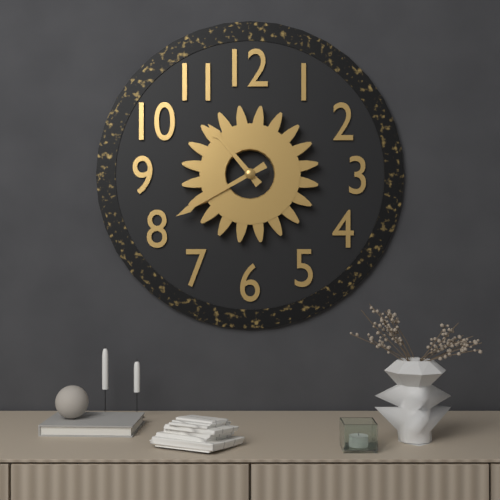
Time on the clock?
10:40
